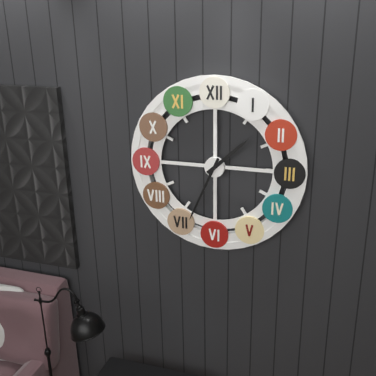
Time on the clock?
1:34
